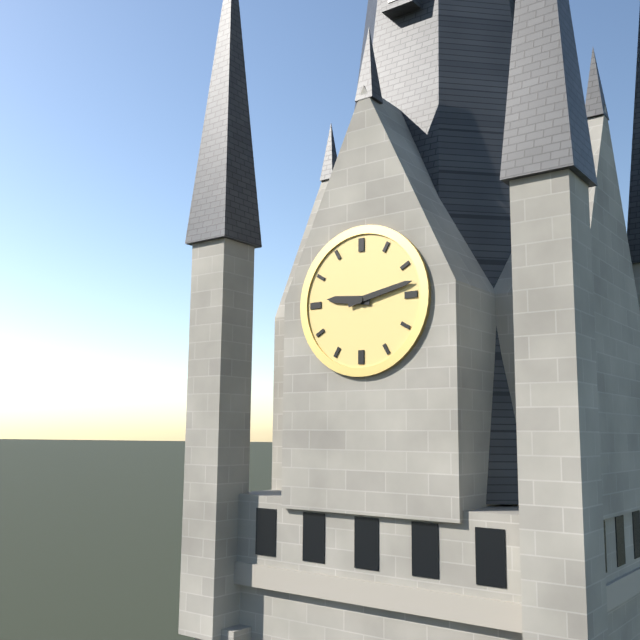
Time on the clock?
9:13
